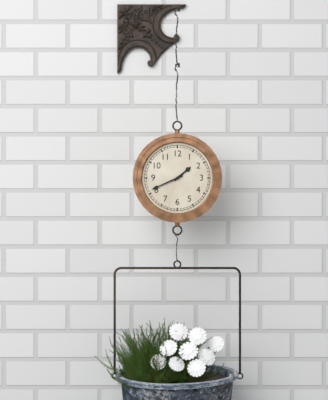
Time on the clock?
1:41
